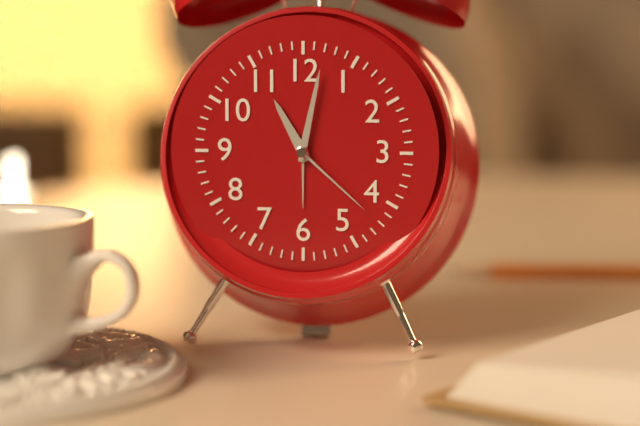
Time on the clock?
11:02:22
